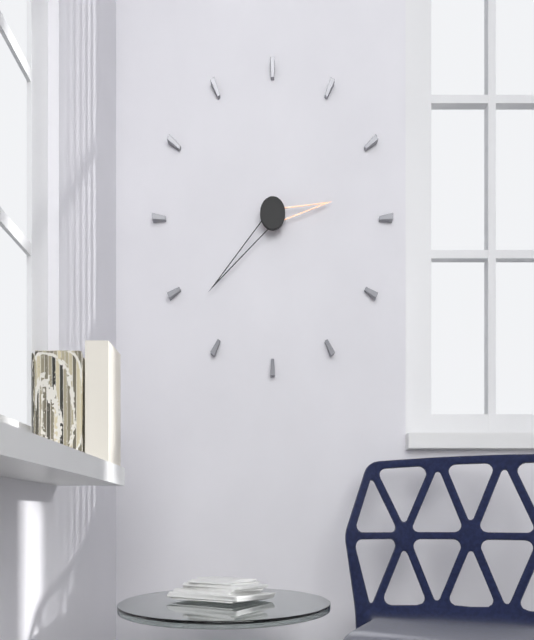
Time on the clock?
2:38
